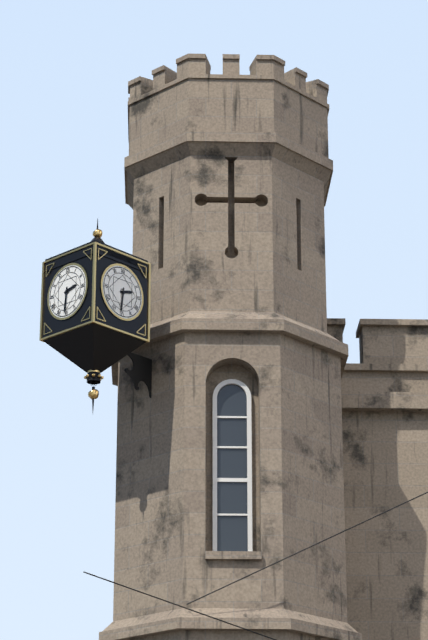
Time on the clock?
2:31
